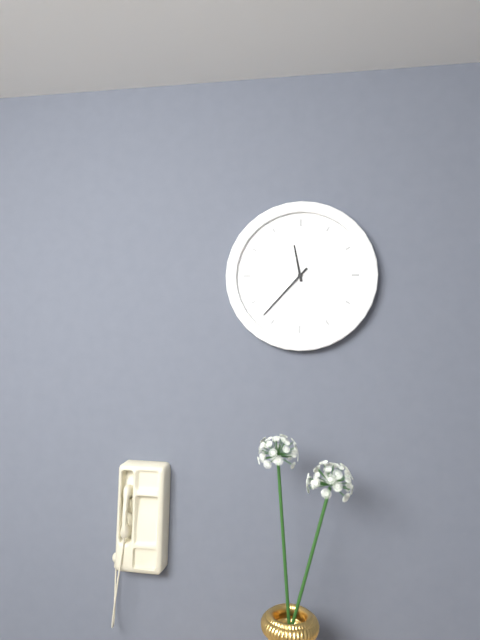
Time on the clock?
11:37
